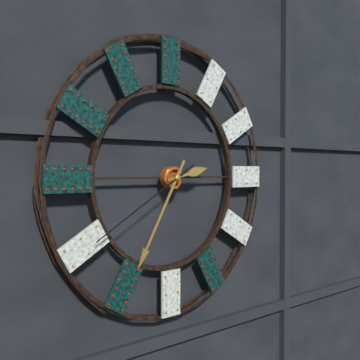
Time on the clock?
2:35:40
